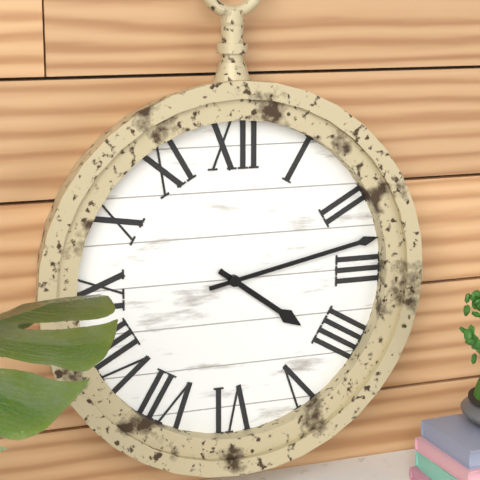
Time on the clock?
4:13
